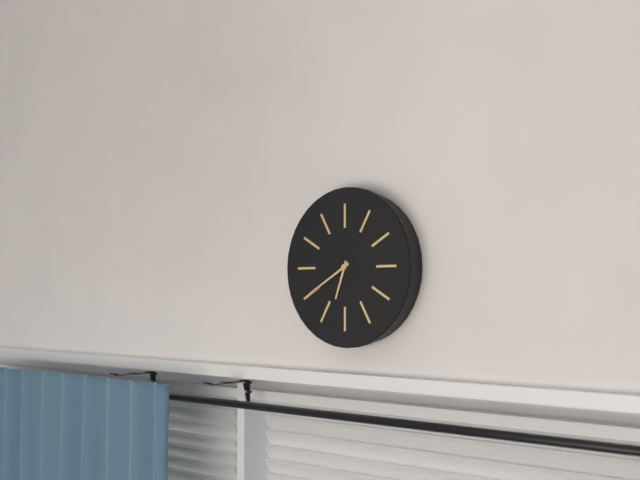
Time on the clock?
6:40
